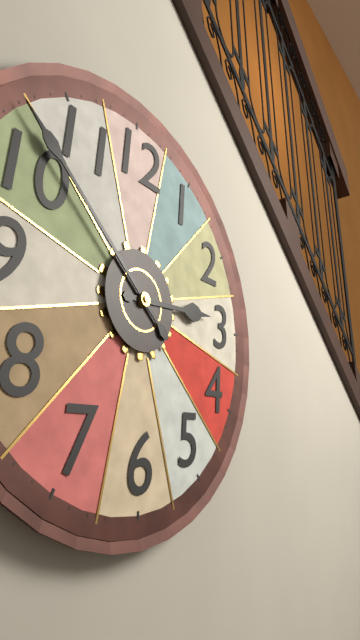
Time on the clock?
2:52
